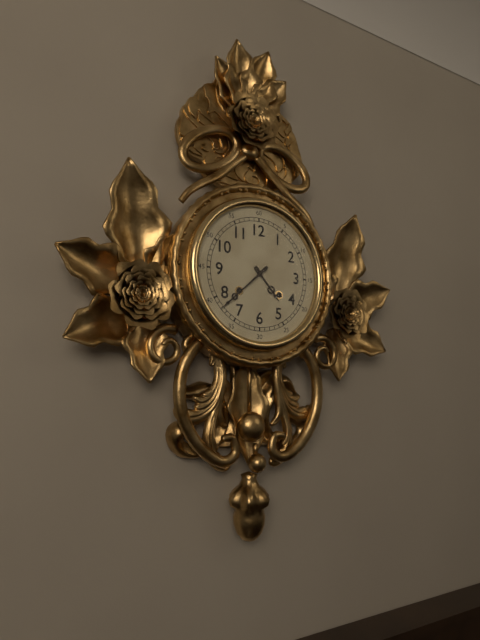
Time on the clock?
4:38
